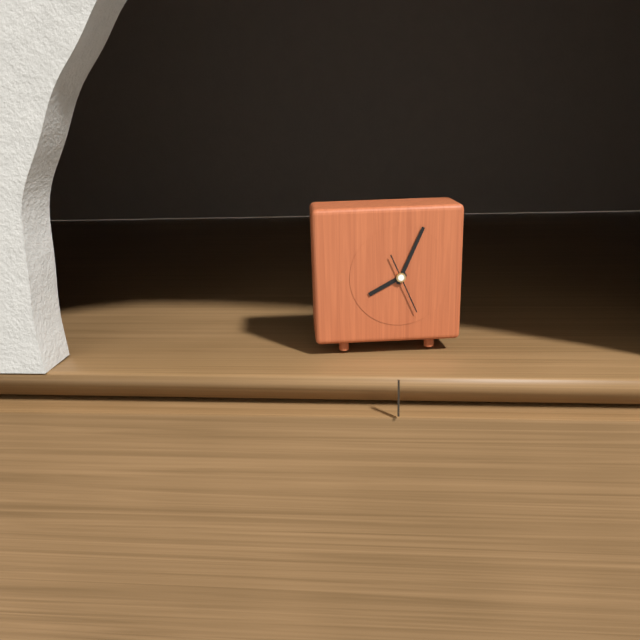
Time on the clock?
8:04
